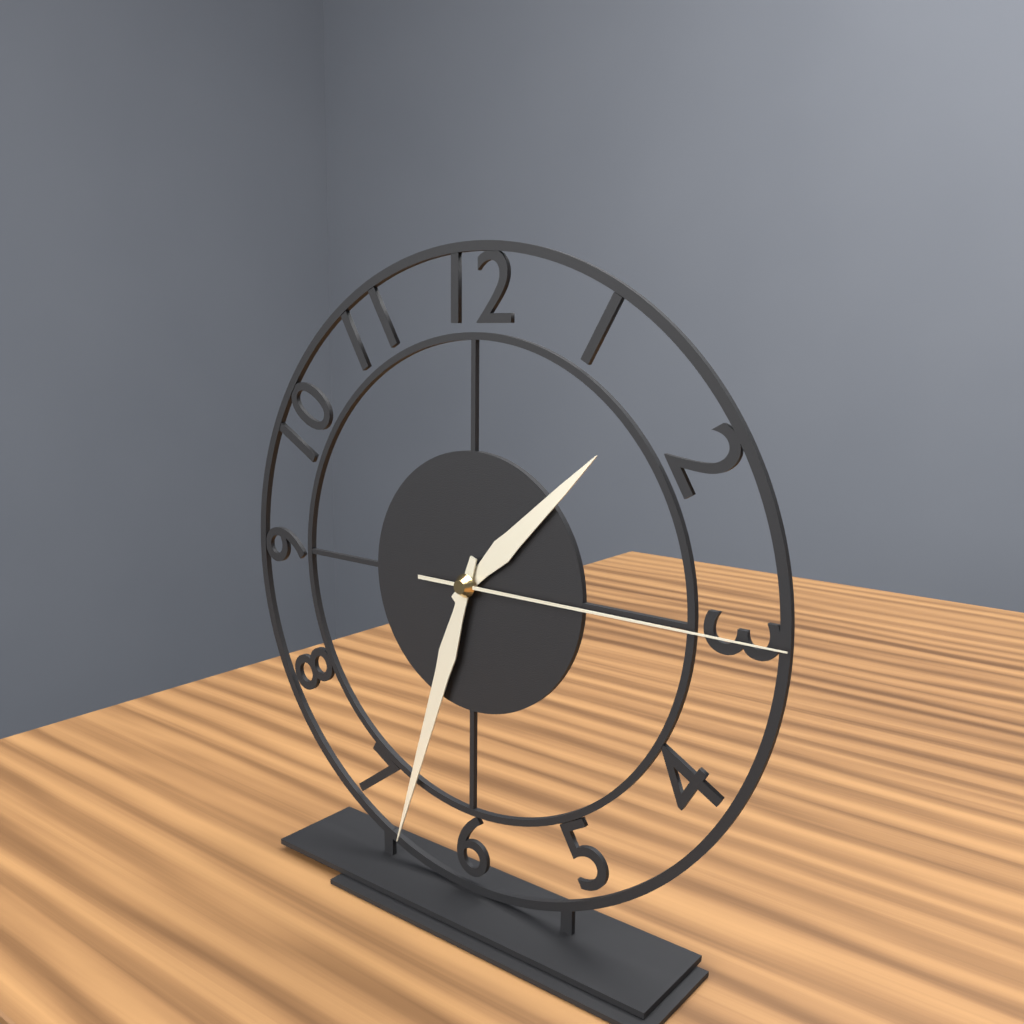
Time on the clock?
1:33:15
